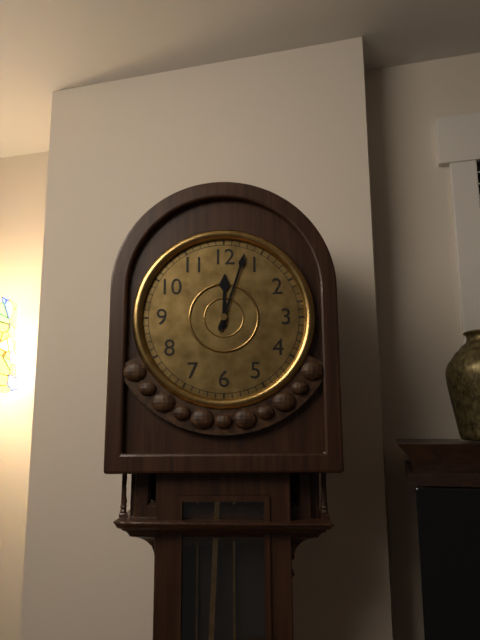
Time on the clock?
12:03
